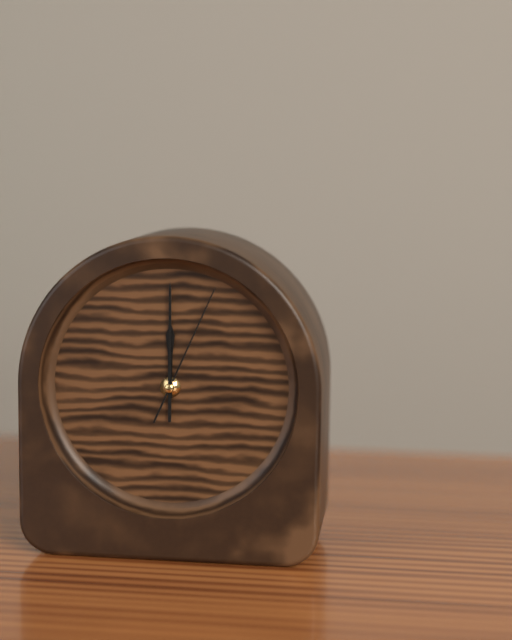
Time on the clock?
12:00:04
